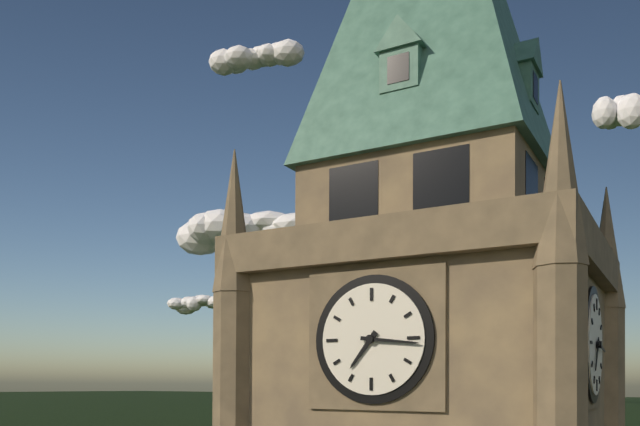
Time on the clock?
7:16
